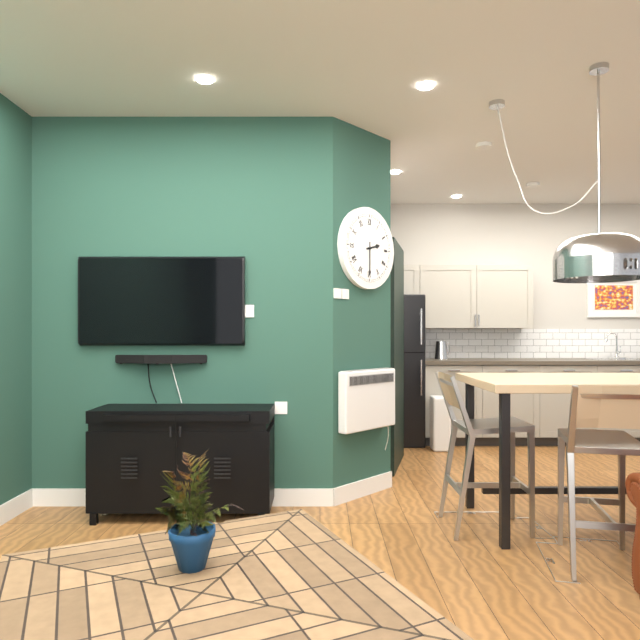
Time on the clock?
2:30
